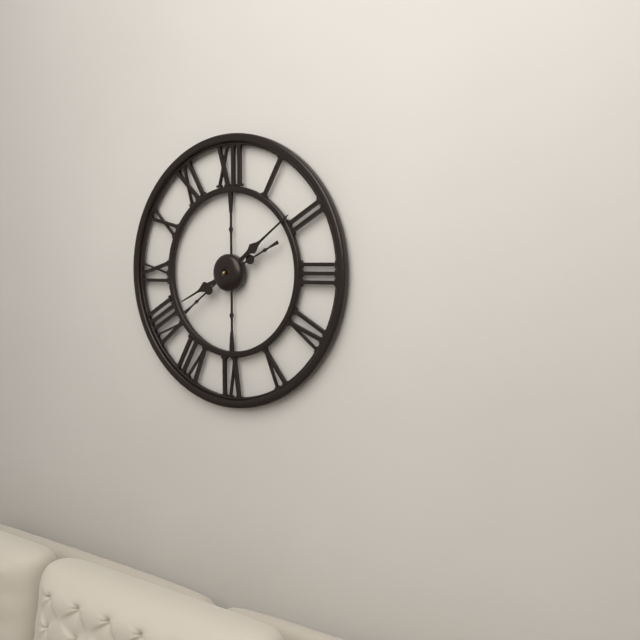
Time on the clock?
8:09
